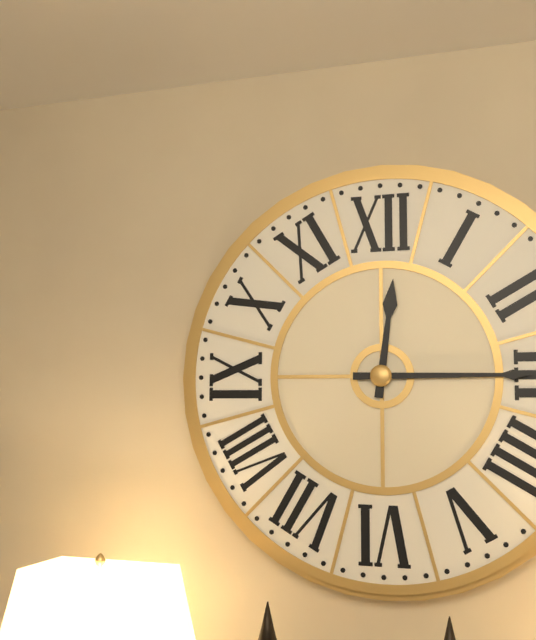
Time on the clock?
12:15
